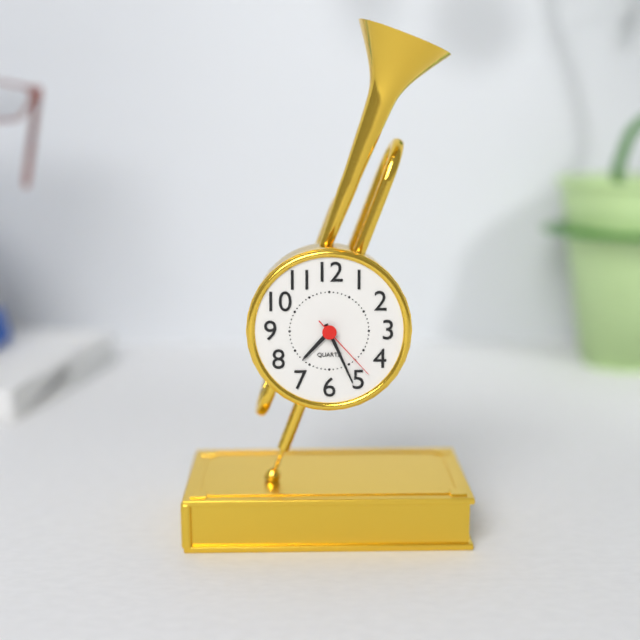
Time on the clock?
7:26:23
